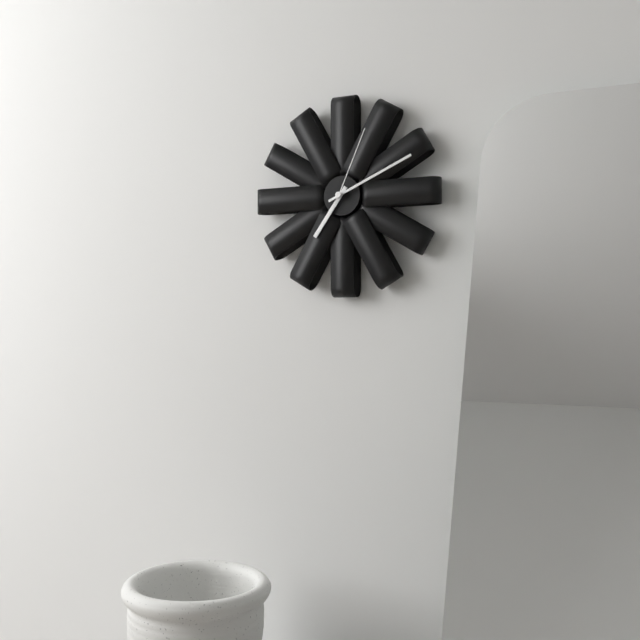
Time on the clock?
7:11:04
